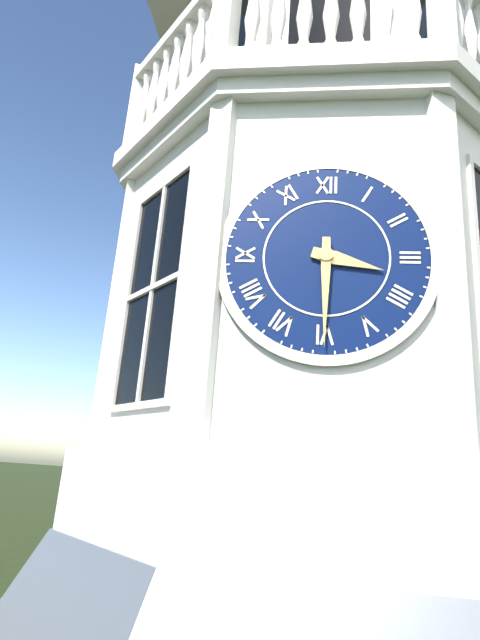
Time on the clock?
3:30
